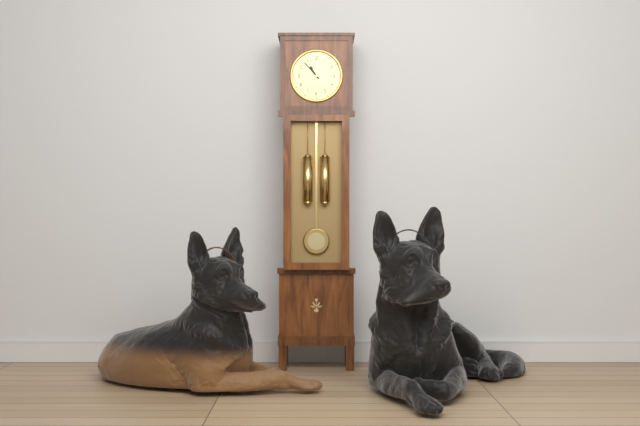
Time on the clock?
10:53
